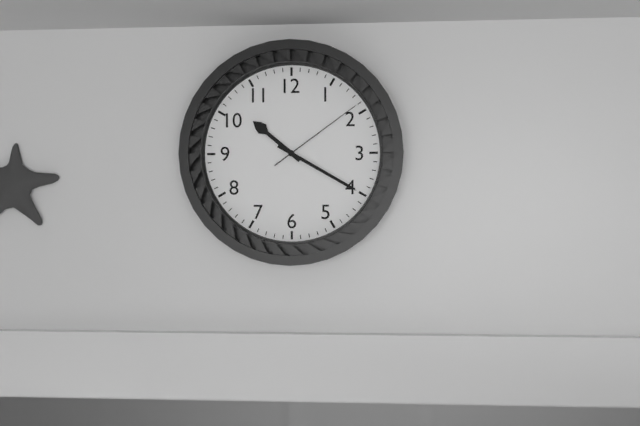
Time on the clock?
10:20:09
